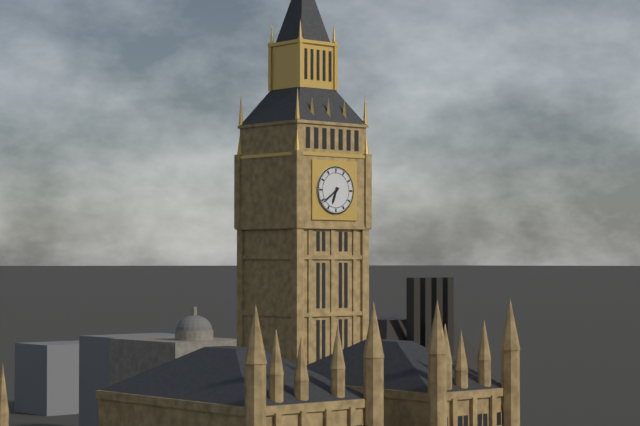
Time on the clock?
6:39
